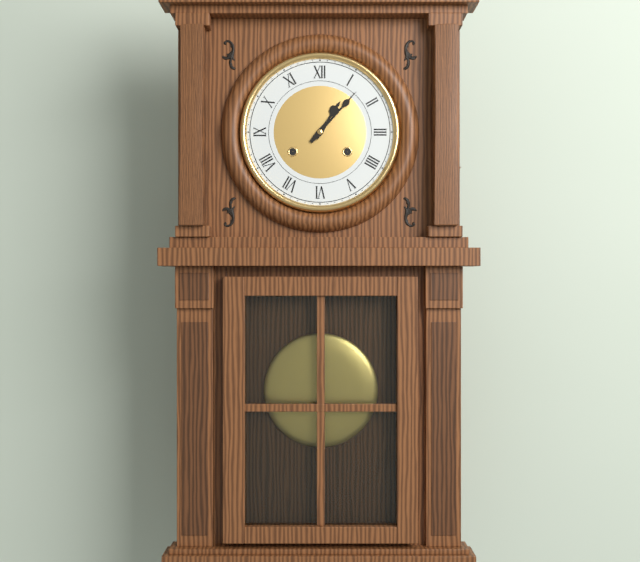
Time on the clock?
1:07
